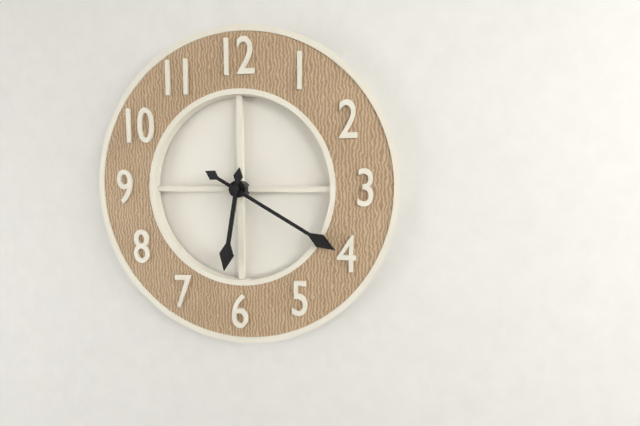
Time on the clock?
6:20
